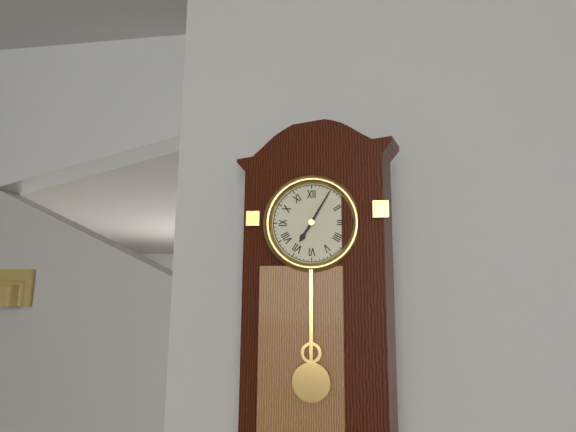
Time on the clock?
7:05
